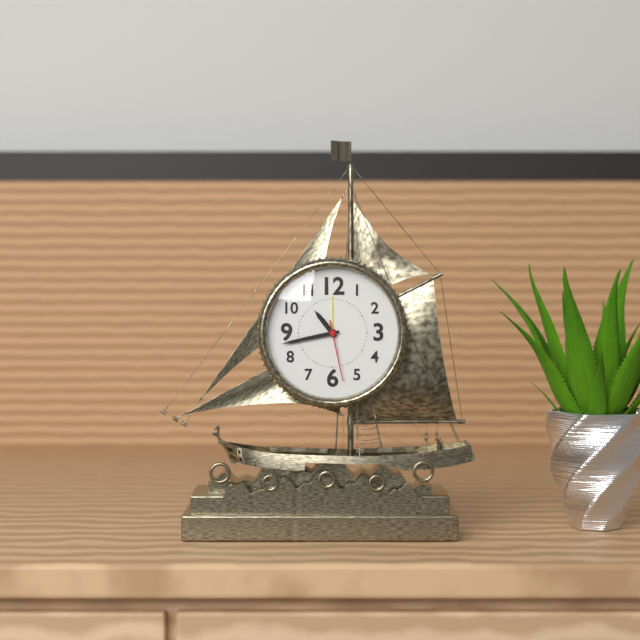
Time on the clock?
10:43:28
